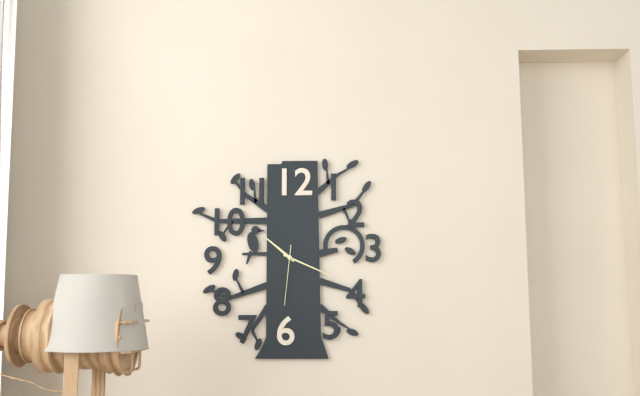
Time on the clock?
10:19:31
